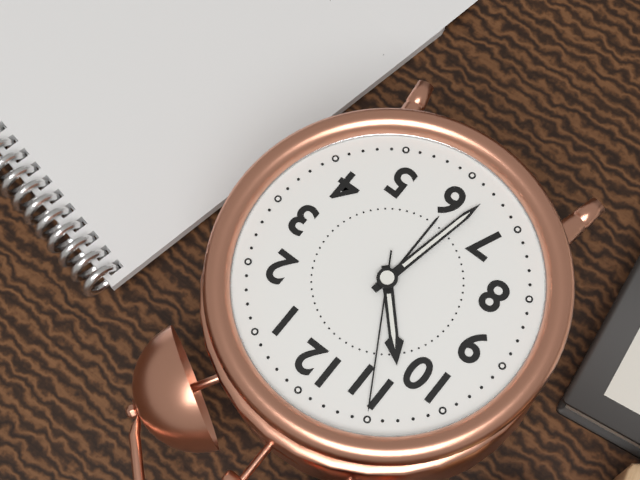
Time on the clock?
10:32:55
